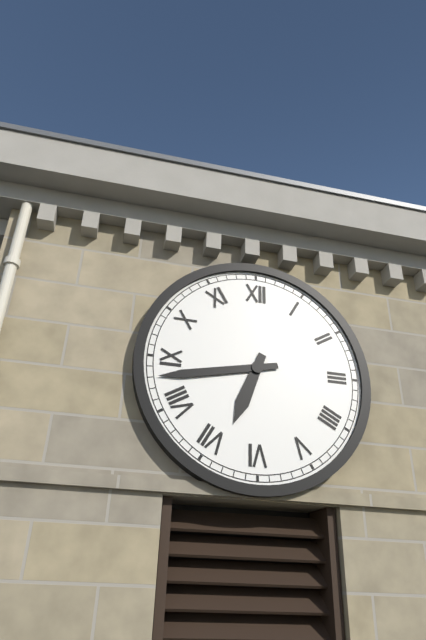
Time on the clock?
6:43
